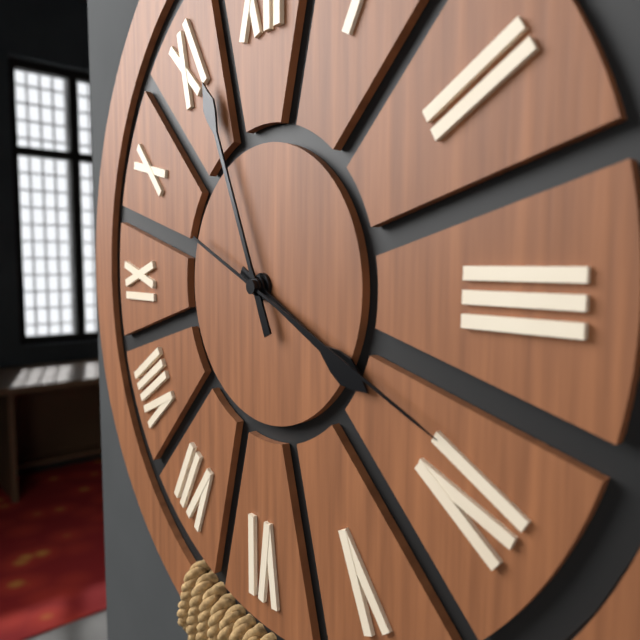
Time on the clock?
3:56:19
